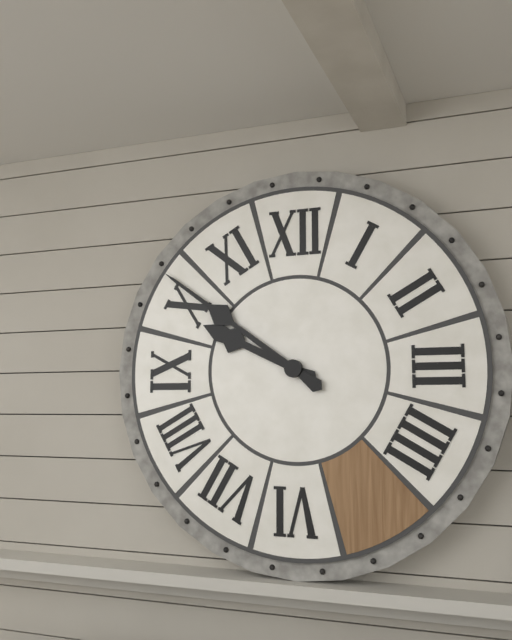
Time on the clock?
9:51
